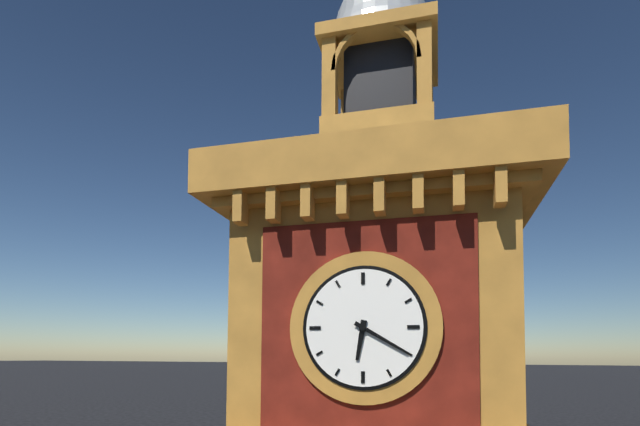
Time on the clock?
6:20
